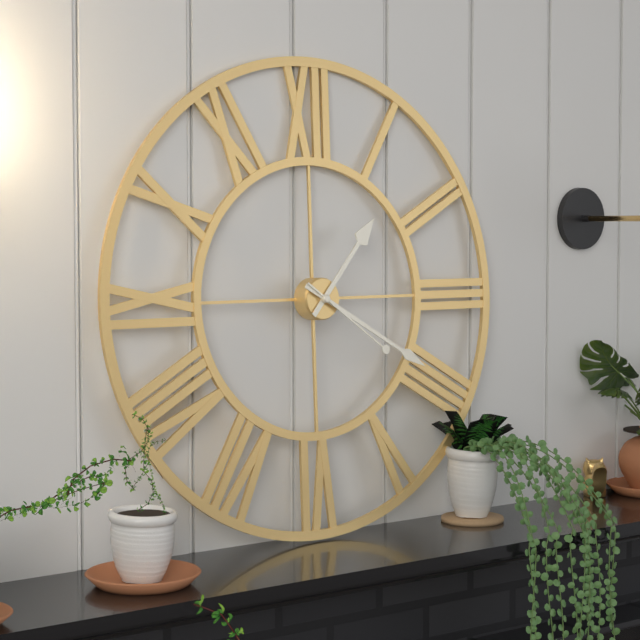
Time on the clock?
1:20:21
